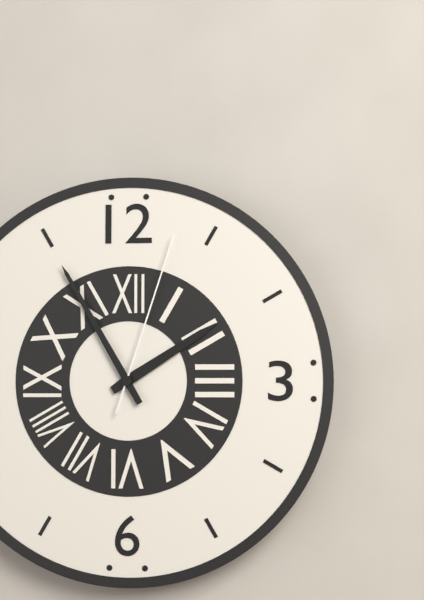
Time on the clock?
1:55:03
